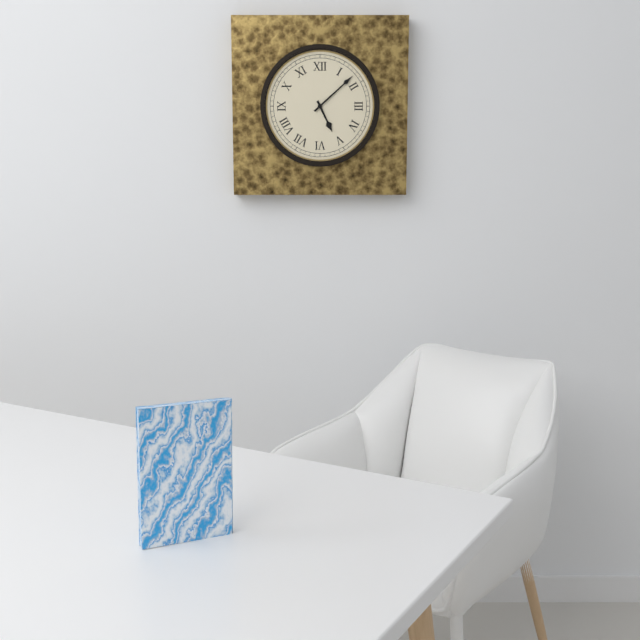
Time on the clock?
5:08
